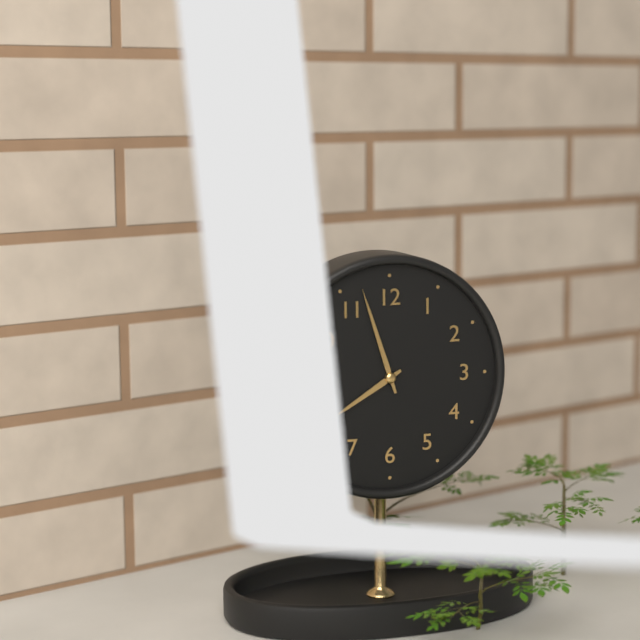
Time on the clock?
7:57
